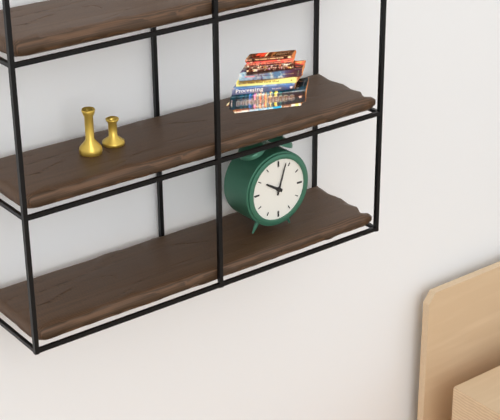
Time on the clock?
10:03
